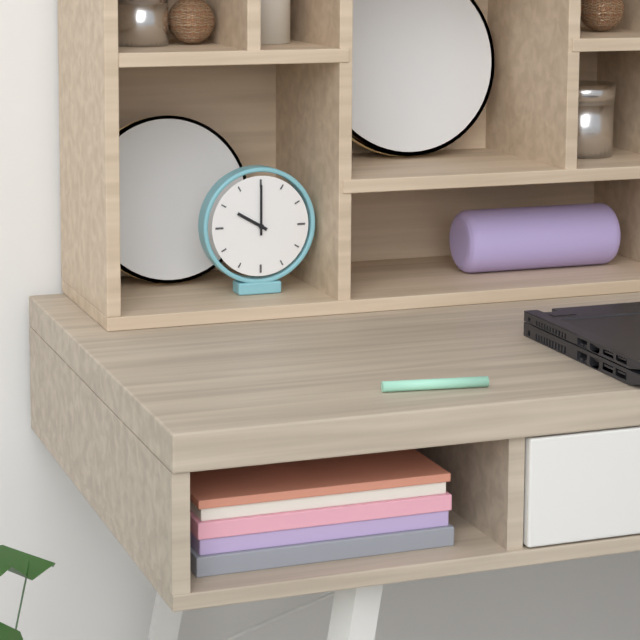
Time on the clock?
10:00
